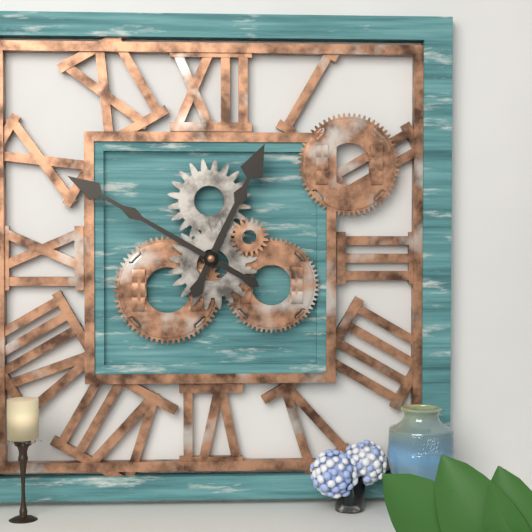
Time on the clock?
12:50
